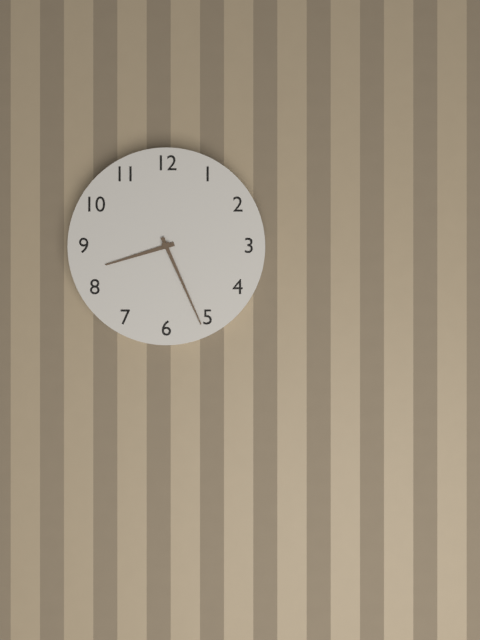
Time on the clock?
8:26
